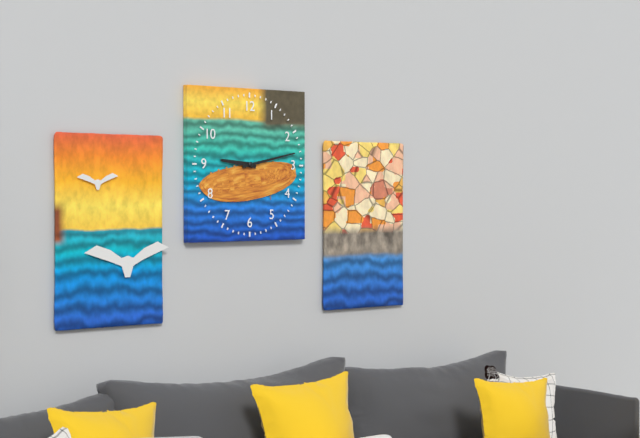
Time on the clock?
9:13
